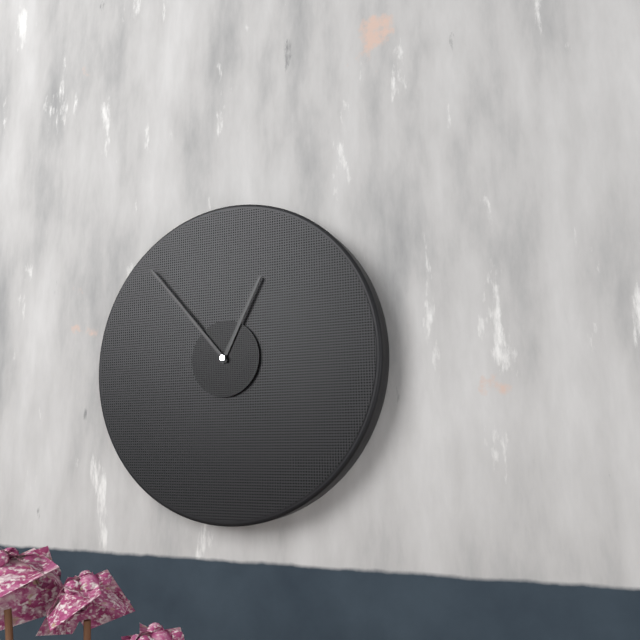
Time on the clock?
12:53
